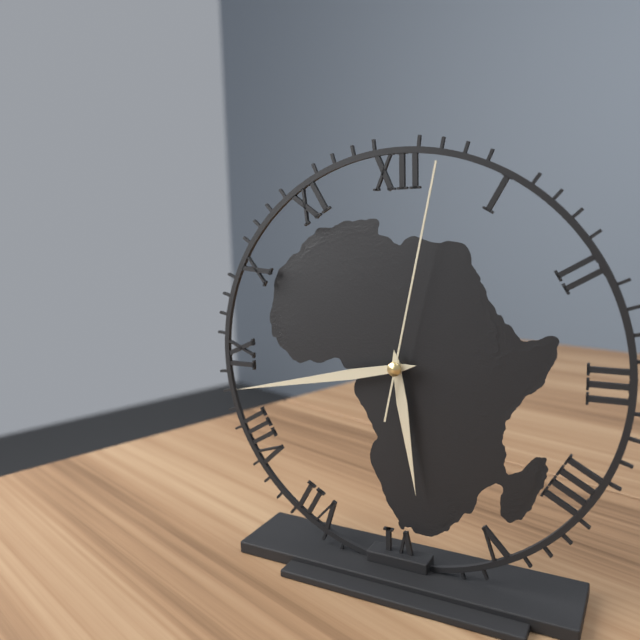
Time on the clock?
5:43:02
